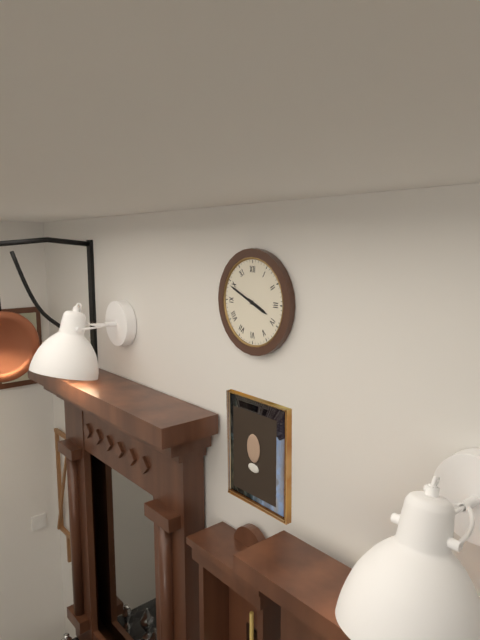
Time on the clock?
3:49
